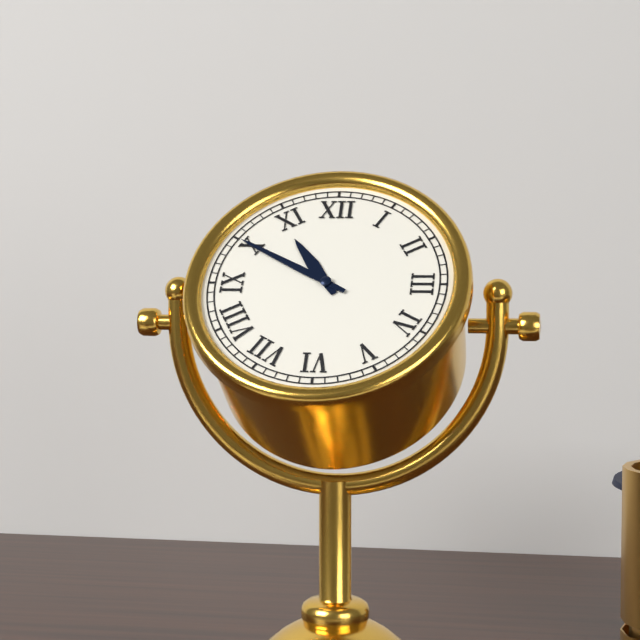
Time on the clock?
10:50
